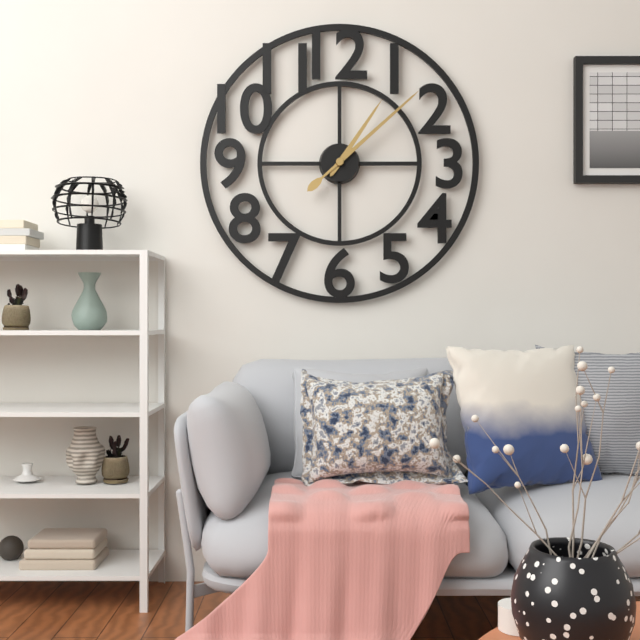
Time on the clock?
1:08
